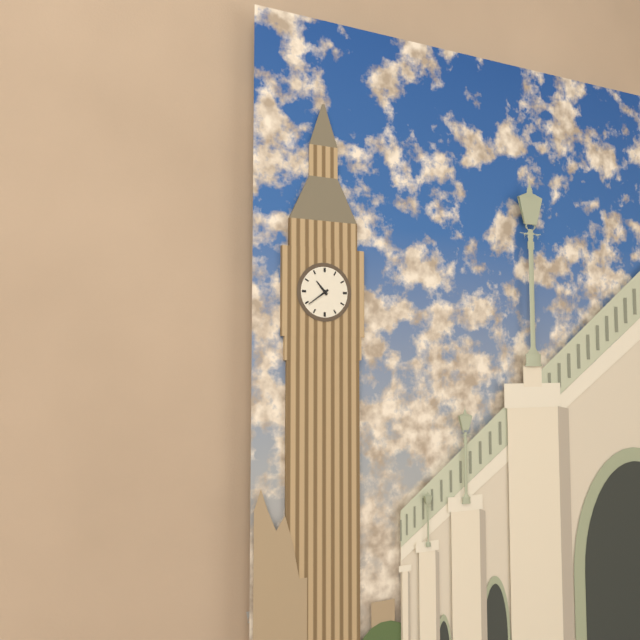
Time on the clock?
10:39
